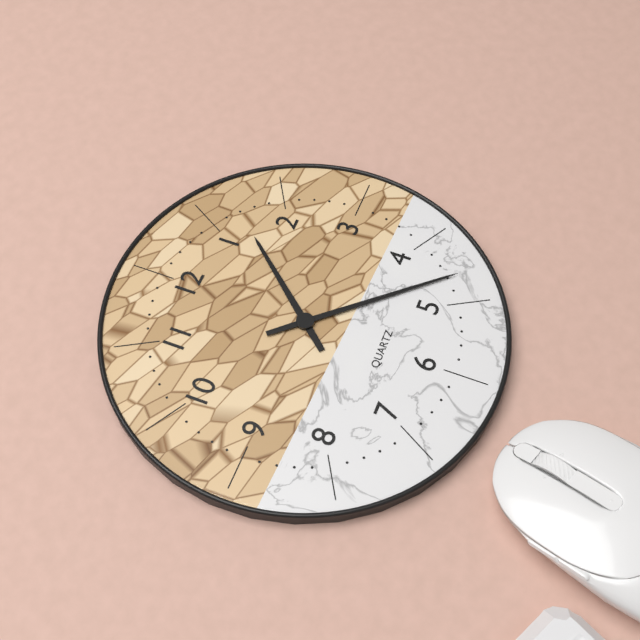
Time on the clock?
1:23
